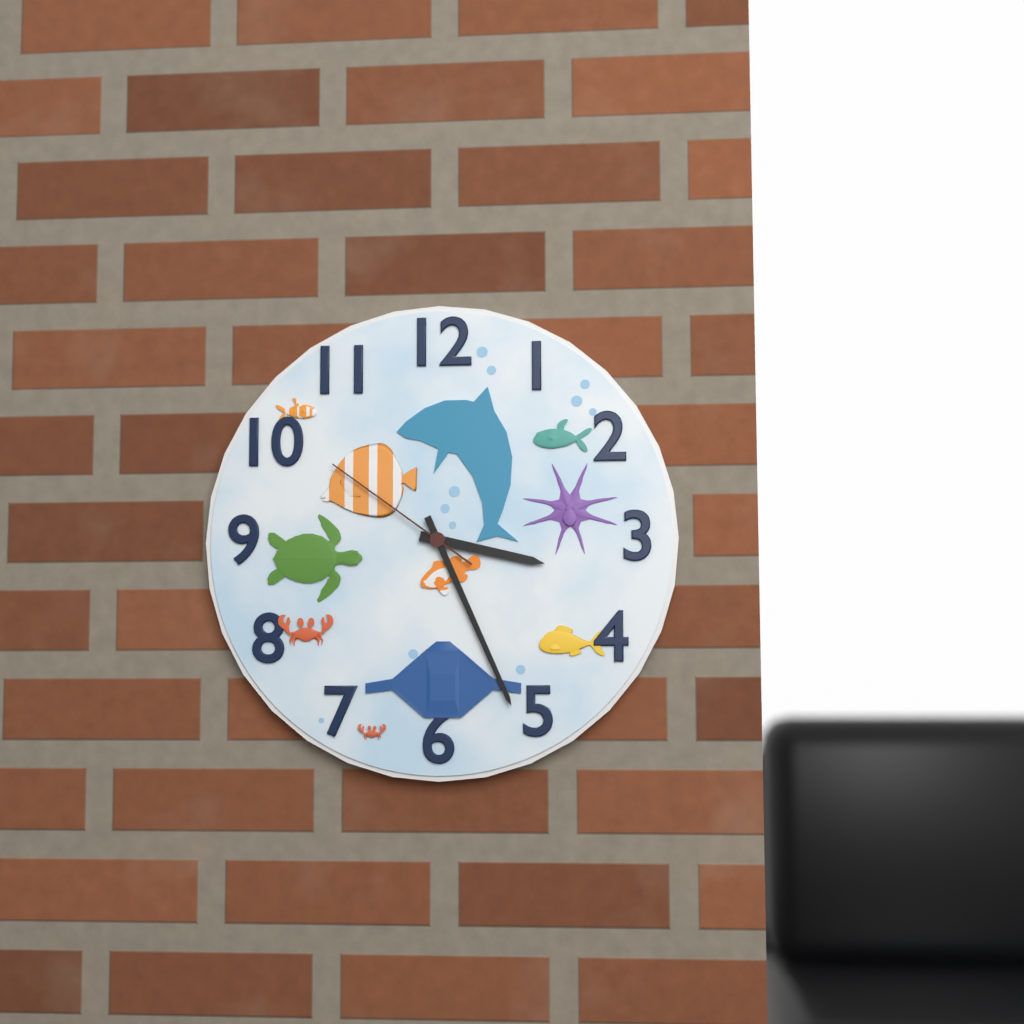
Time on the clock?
3:26:51
